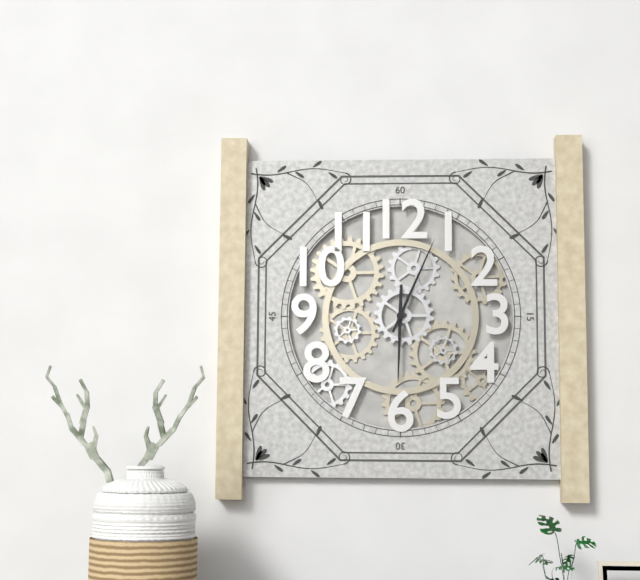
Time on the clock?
6:04
